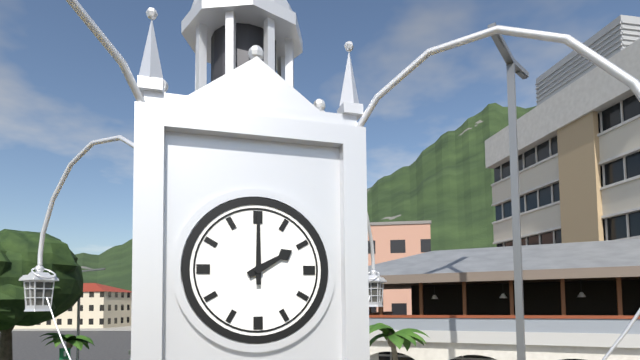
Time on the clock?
2:00
